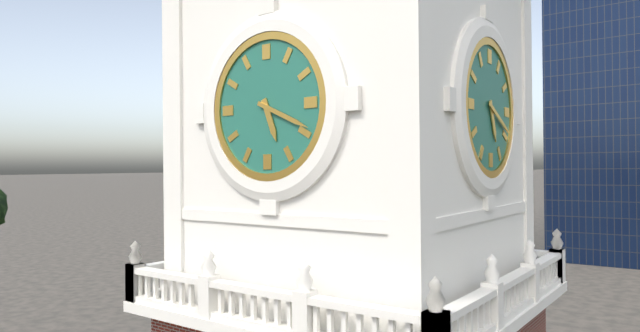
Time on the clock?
5:19
